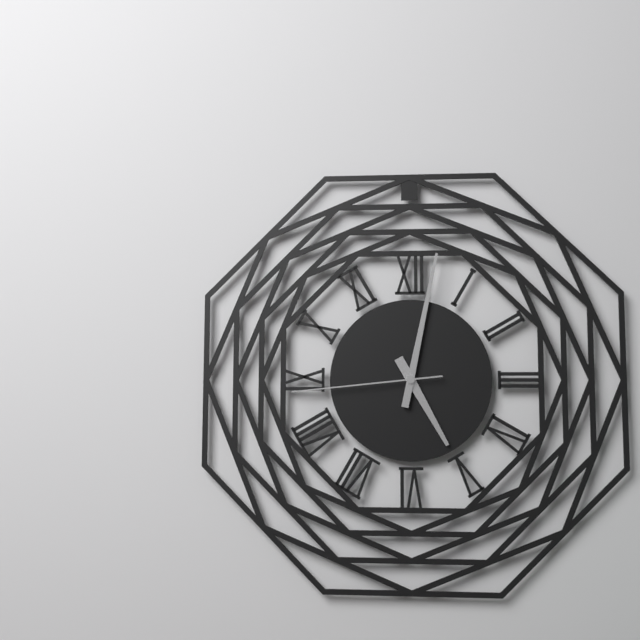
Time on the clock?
5:02:44
